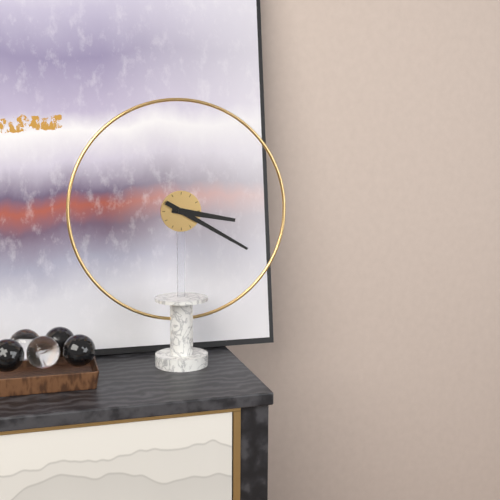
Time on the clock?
3:20
